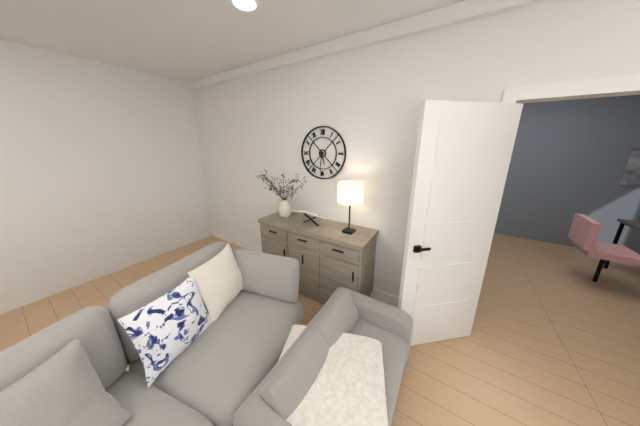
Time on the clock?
5:31
